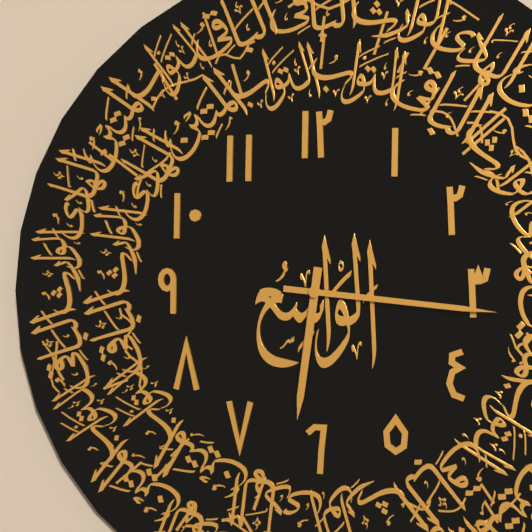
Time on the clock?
6:16
